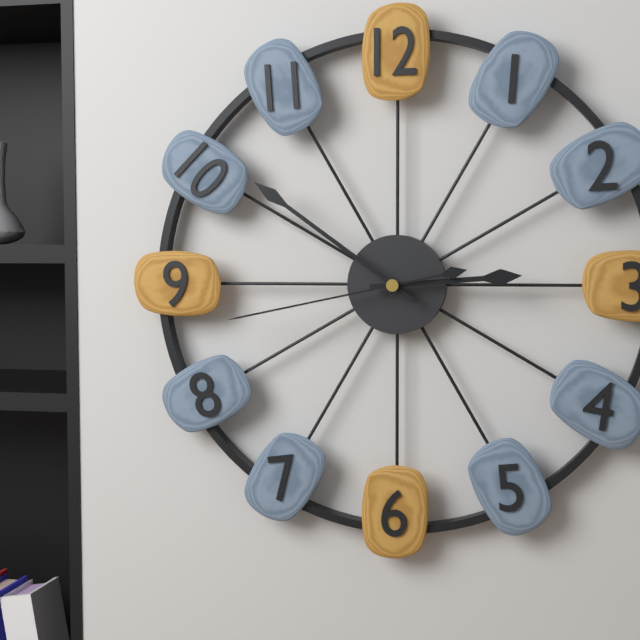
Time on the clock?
2:51:43
